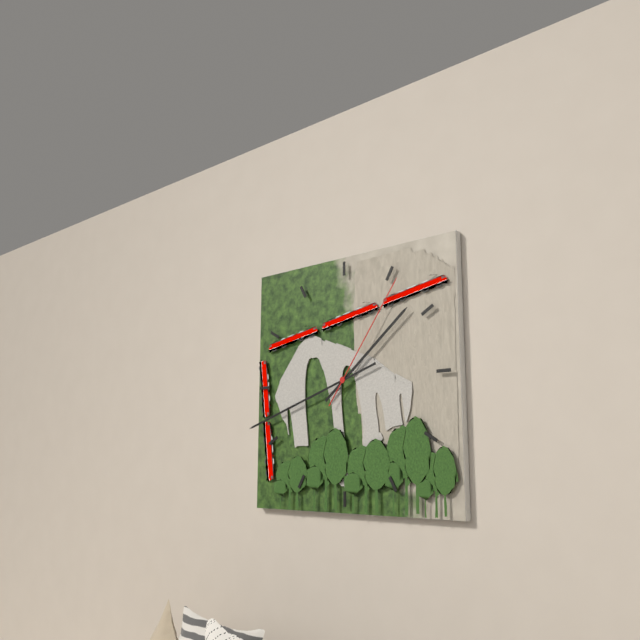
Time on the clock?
1:42:06
